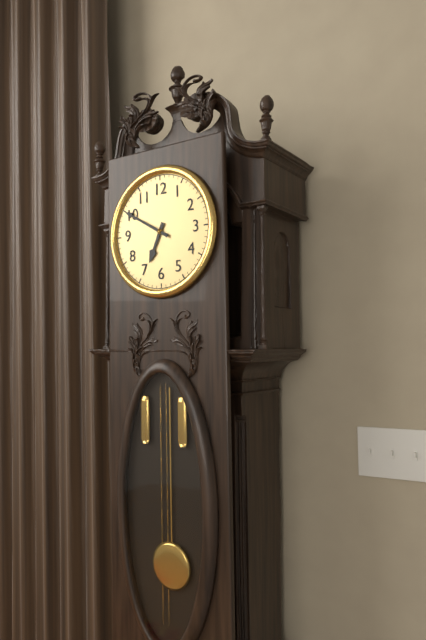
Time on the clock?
6:50
